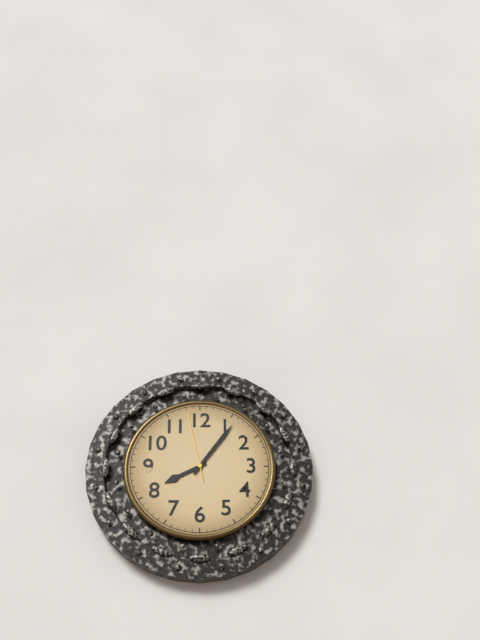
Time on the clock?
8:06:58
